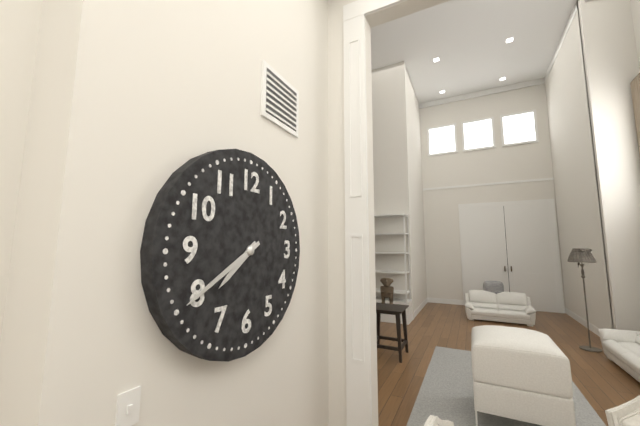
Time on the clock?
7:40
